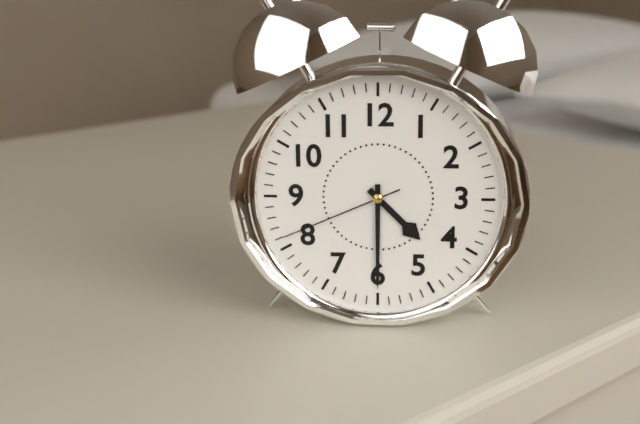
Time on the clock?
4:30:41
